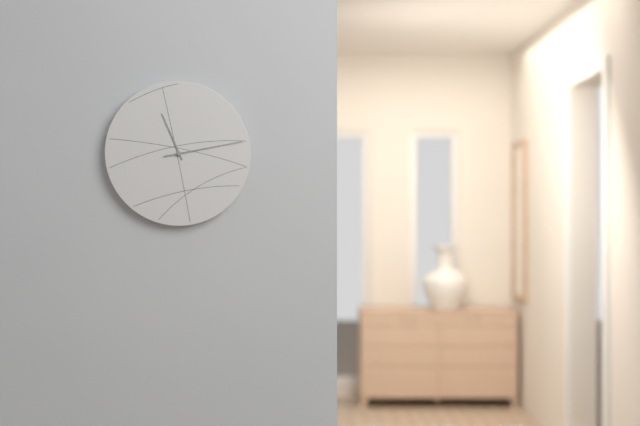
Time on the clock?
11:13
